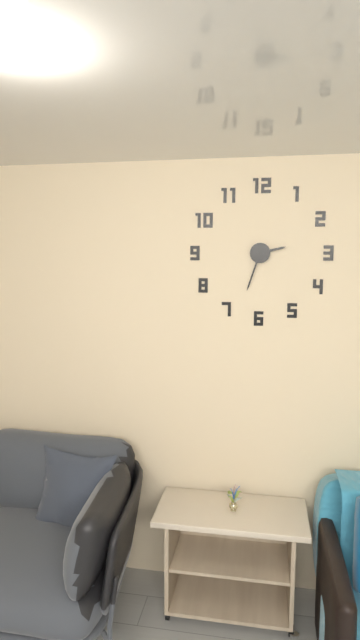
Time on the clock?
2:33
